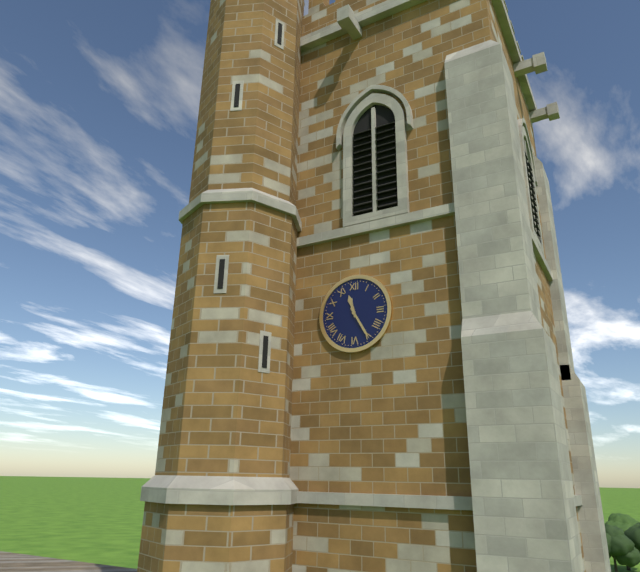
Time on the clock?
11:25
